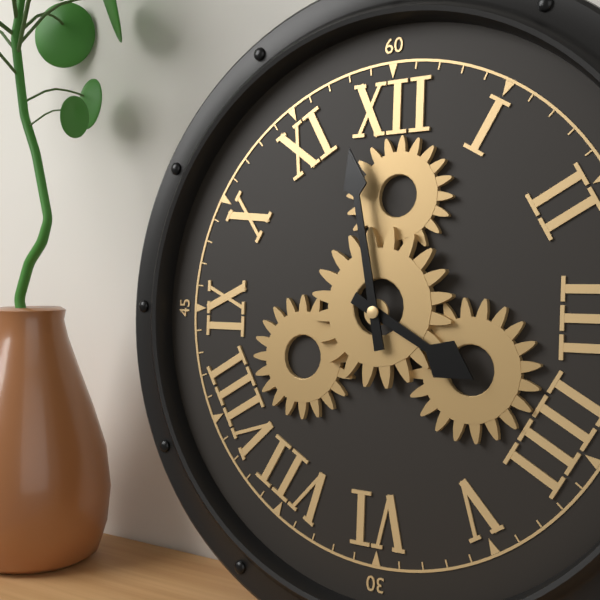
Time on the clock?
3:58
